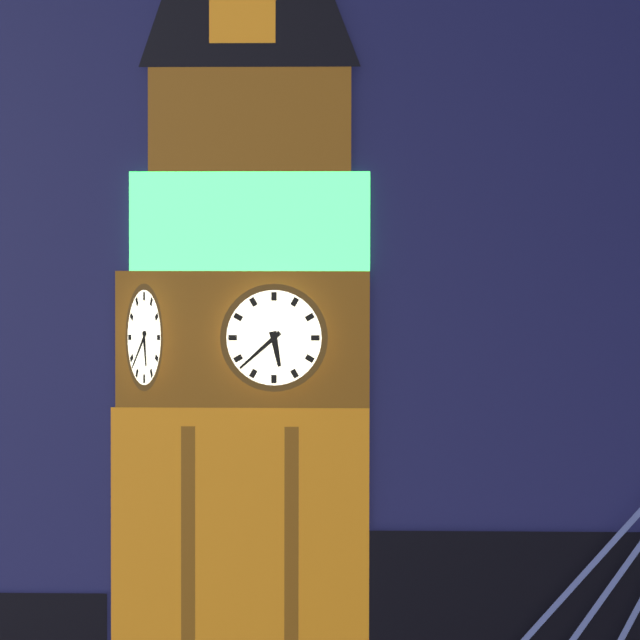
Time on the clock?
5:38
